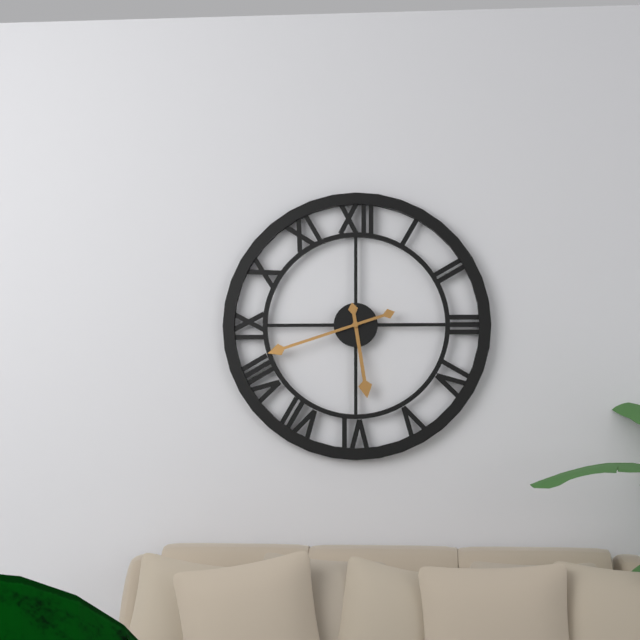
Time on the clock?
5:42
